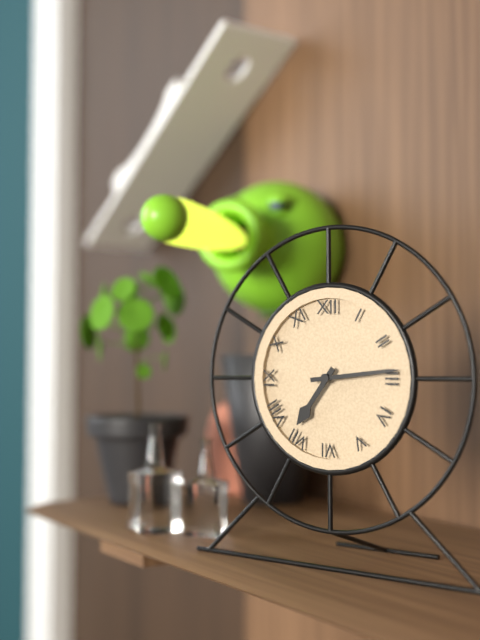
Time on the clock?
7:14
